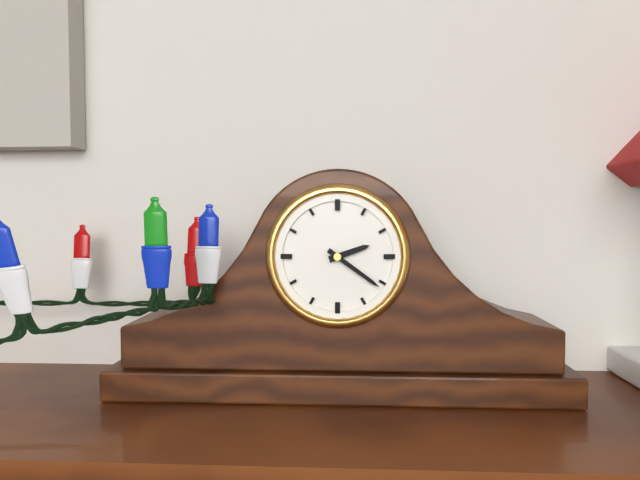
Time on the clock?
2:21
